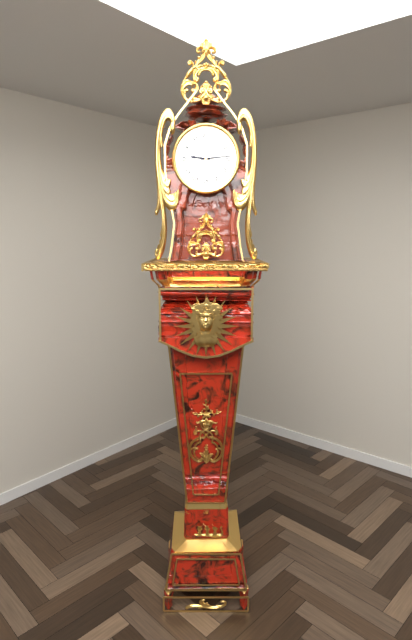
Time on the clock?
9:14
